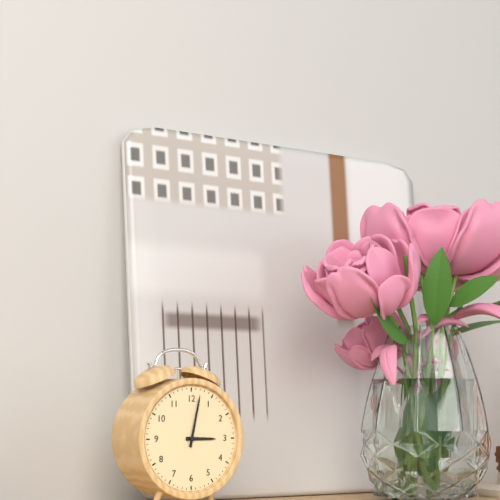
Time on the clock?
3:02
